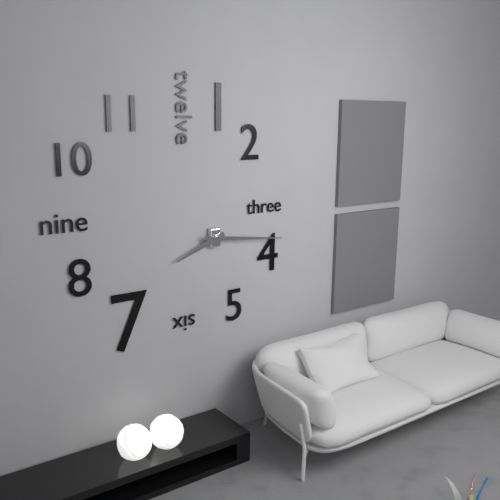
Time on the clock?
8:16
